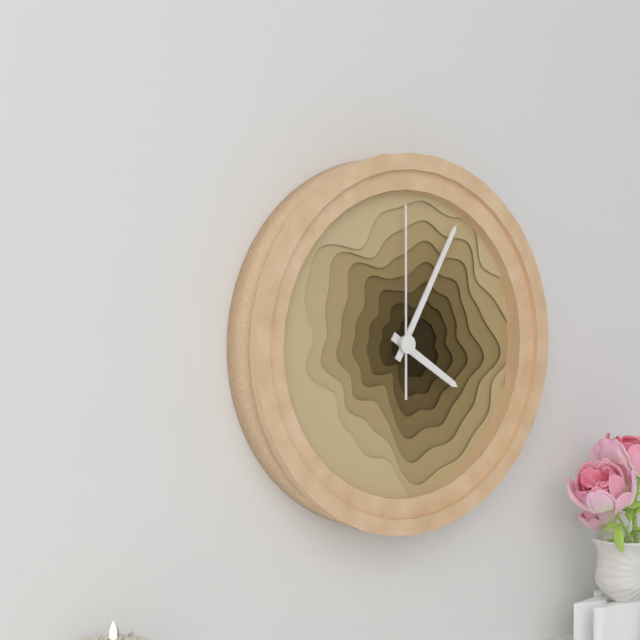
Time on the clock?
4:05:00
